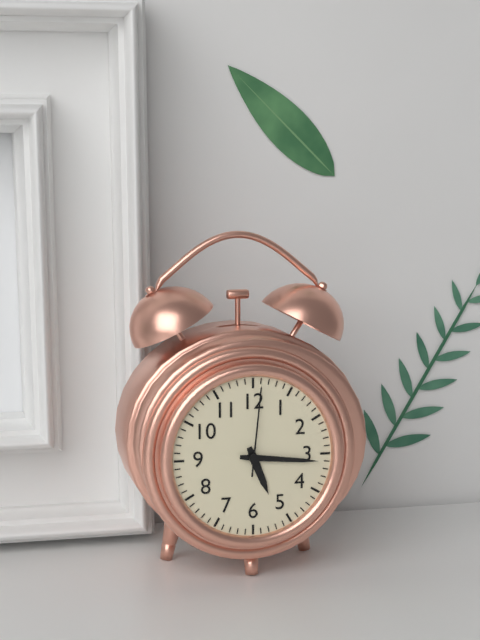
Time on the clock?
5:16:01
